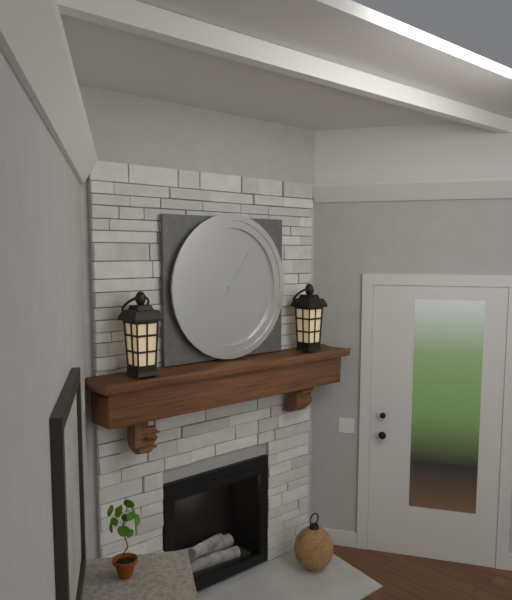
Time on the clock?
12:06
